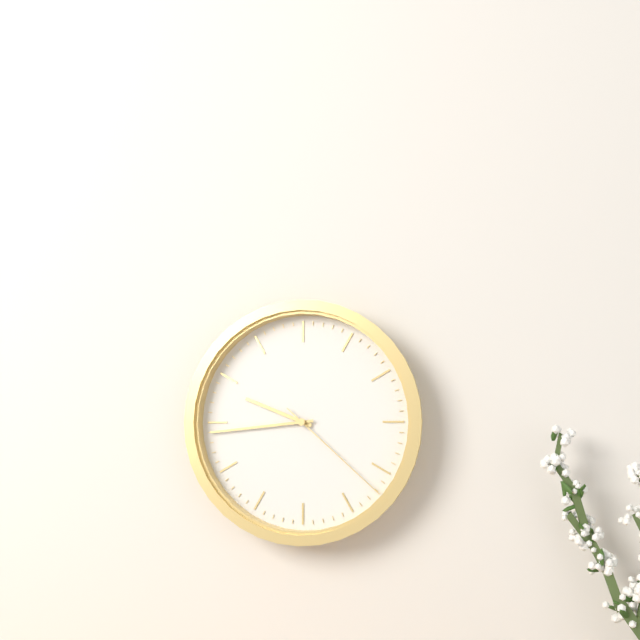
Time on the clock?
9:44:22
